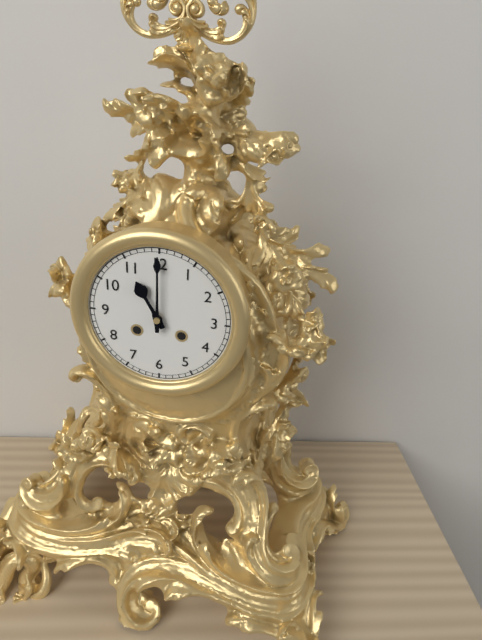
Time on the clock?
11:00
